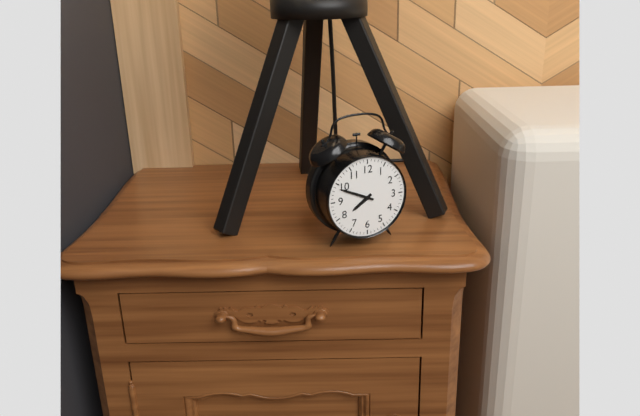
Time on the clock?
7:49
